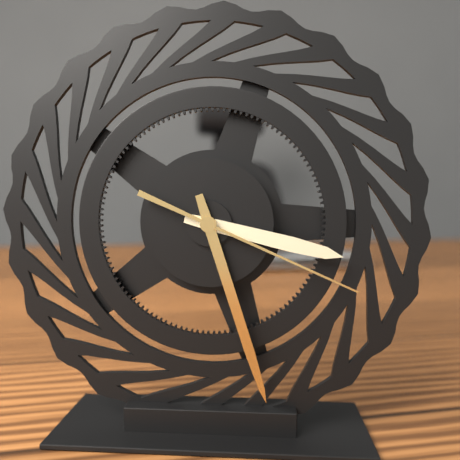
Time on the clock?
3:27:19
